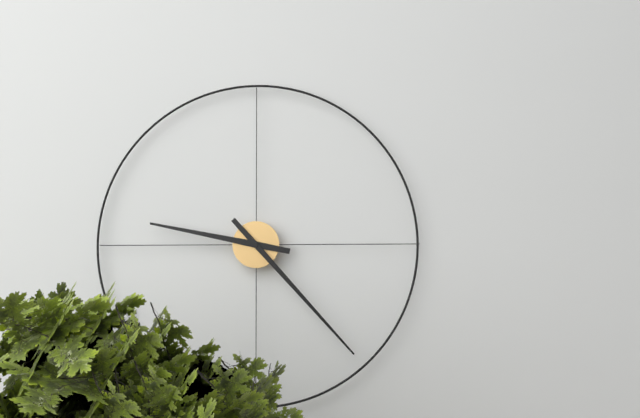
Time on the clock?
9:23
